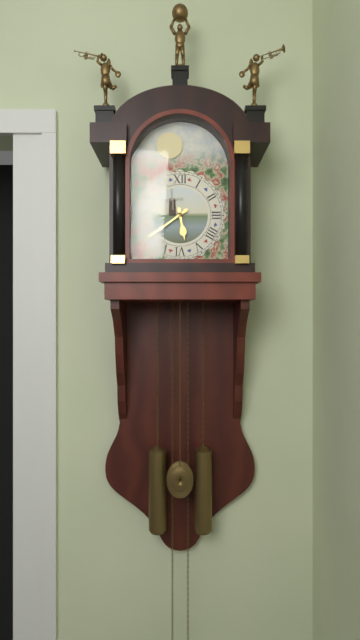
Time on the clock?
5:39
